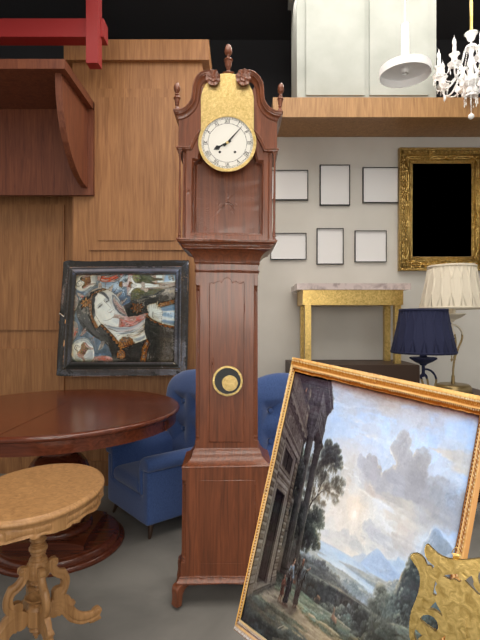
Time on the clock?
8:07
